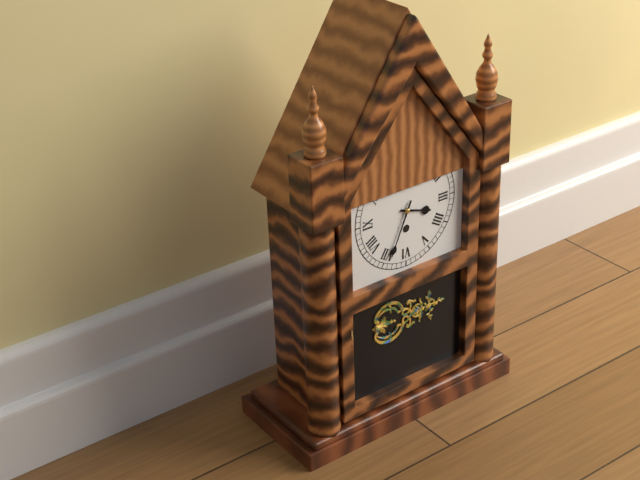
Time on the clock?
3:34
